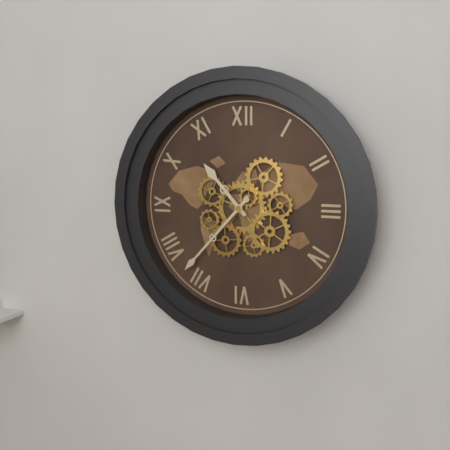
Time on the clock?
10:37
